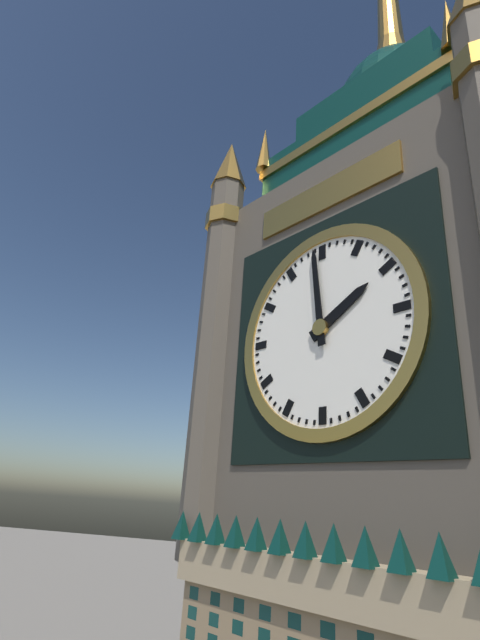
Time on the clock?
1:59
